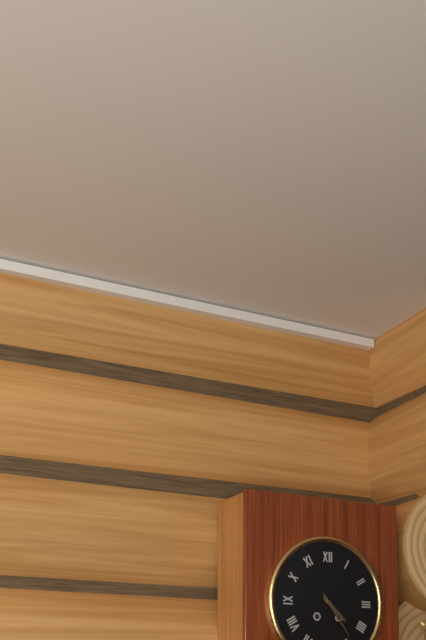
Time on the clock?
4:24
